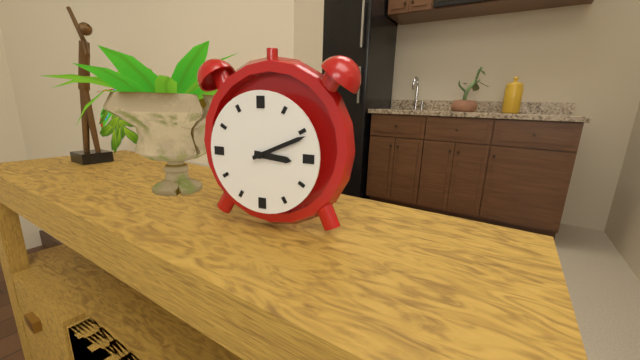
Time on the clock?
3:11
